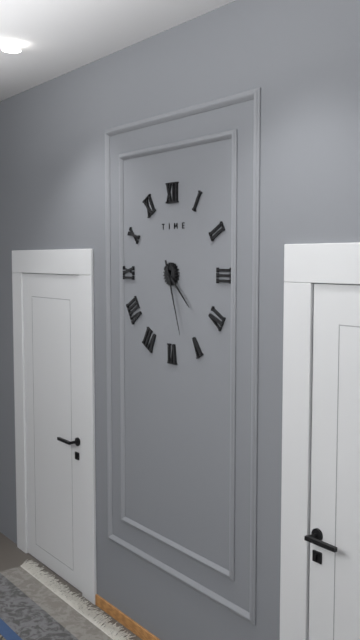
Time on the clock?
4:27
